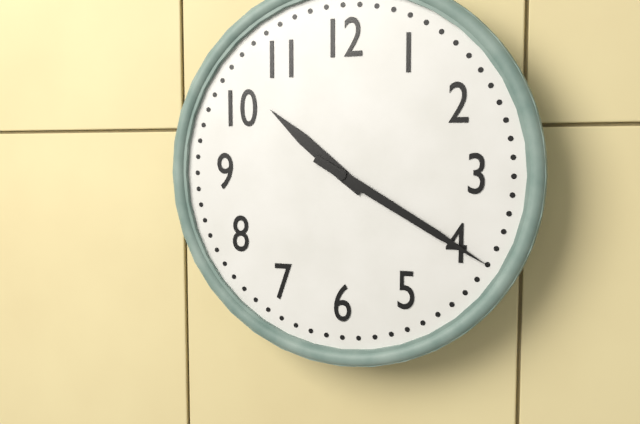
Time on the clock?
10:20
